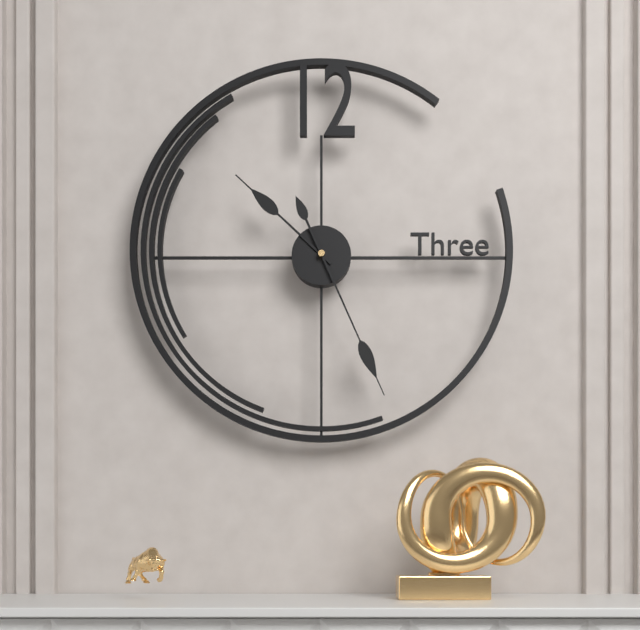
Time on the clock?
10:26
